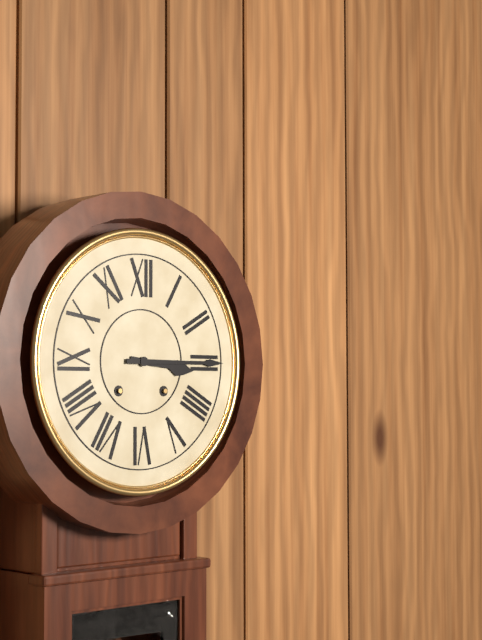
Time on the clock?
3:15
